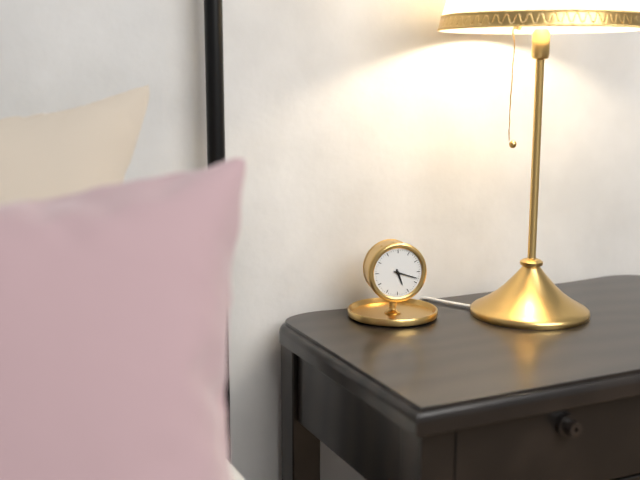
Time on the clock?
5:18
